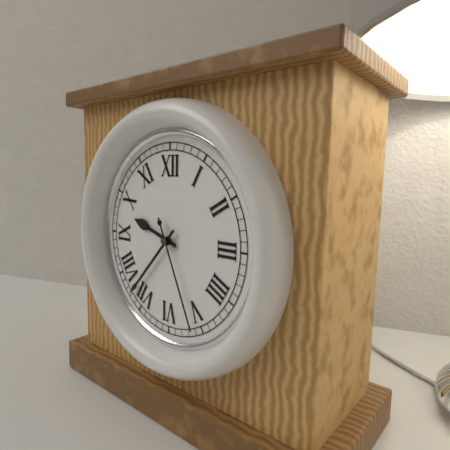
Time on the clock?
9:37:26
